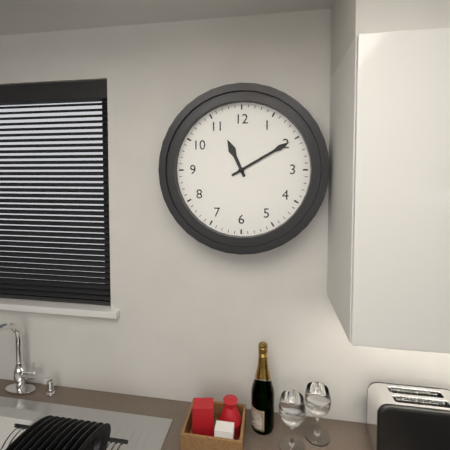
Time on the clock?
11:10
